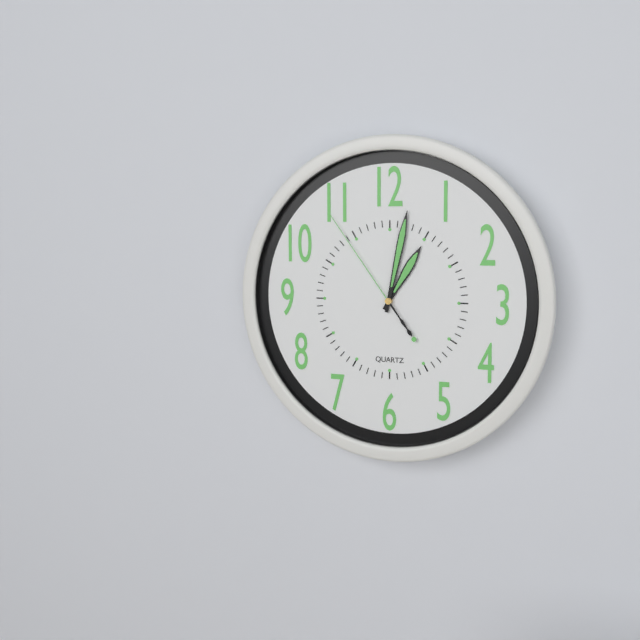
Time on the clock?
1:02:54
